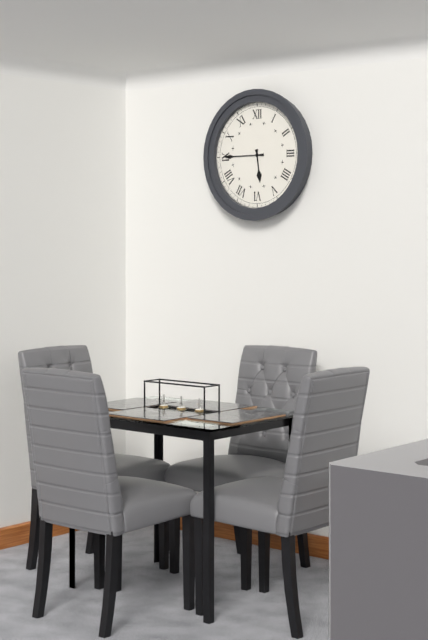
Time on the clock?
5:45
